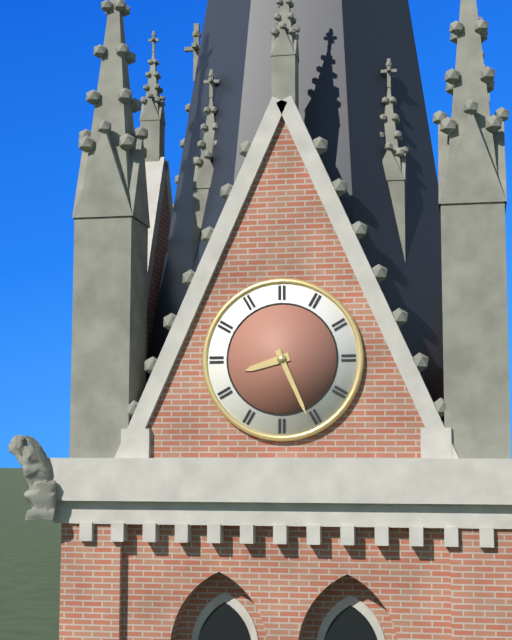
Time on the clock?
8:26
